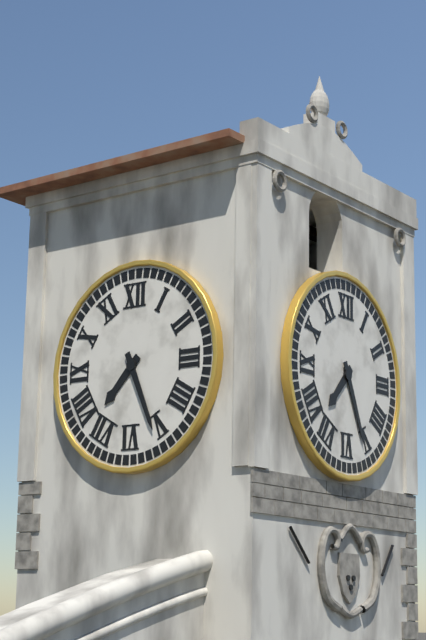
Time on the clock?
7:26
